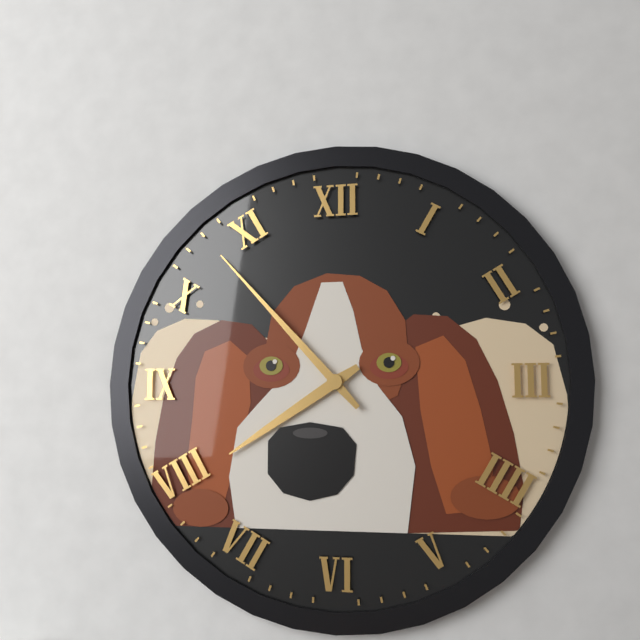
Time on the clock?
7:53
